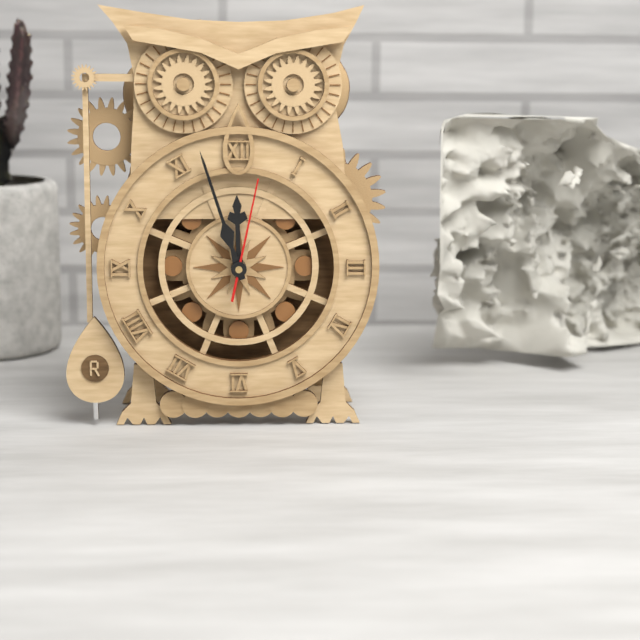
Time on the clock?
11:57:02
